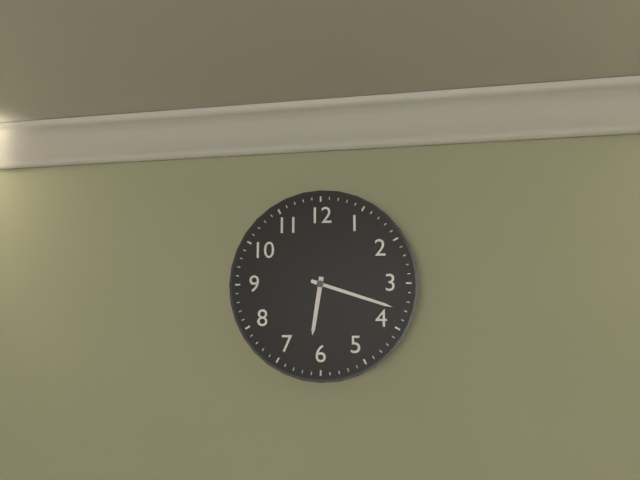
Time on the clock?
6:18
